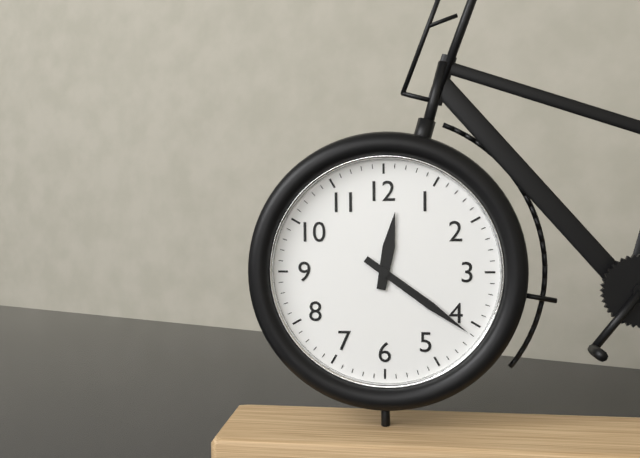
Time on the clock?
12:21
